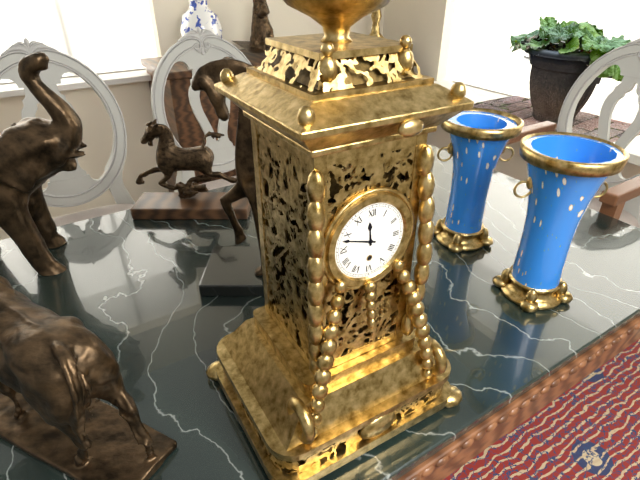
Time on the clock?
11:48
